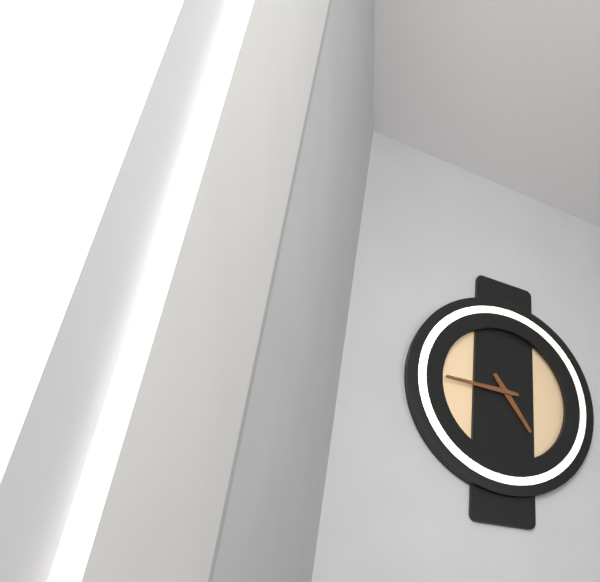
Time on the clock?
4:45
